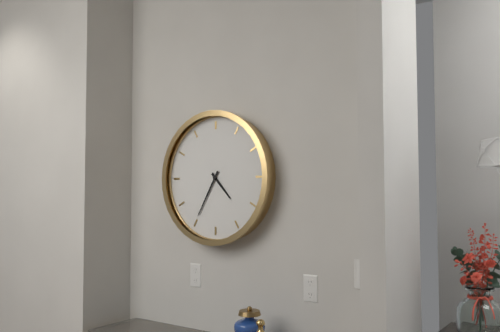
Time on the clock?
4:35
